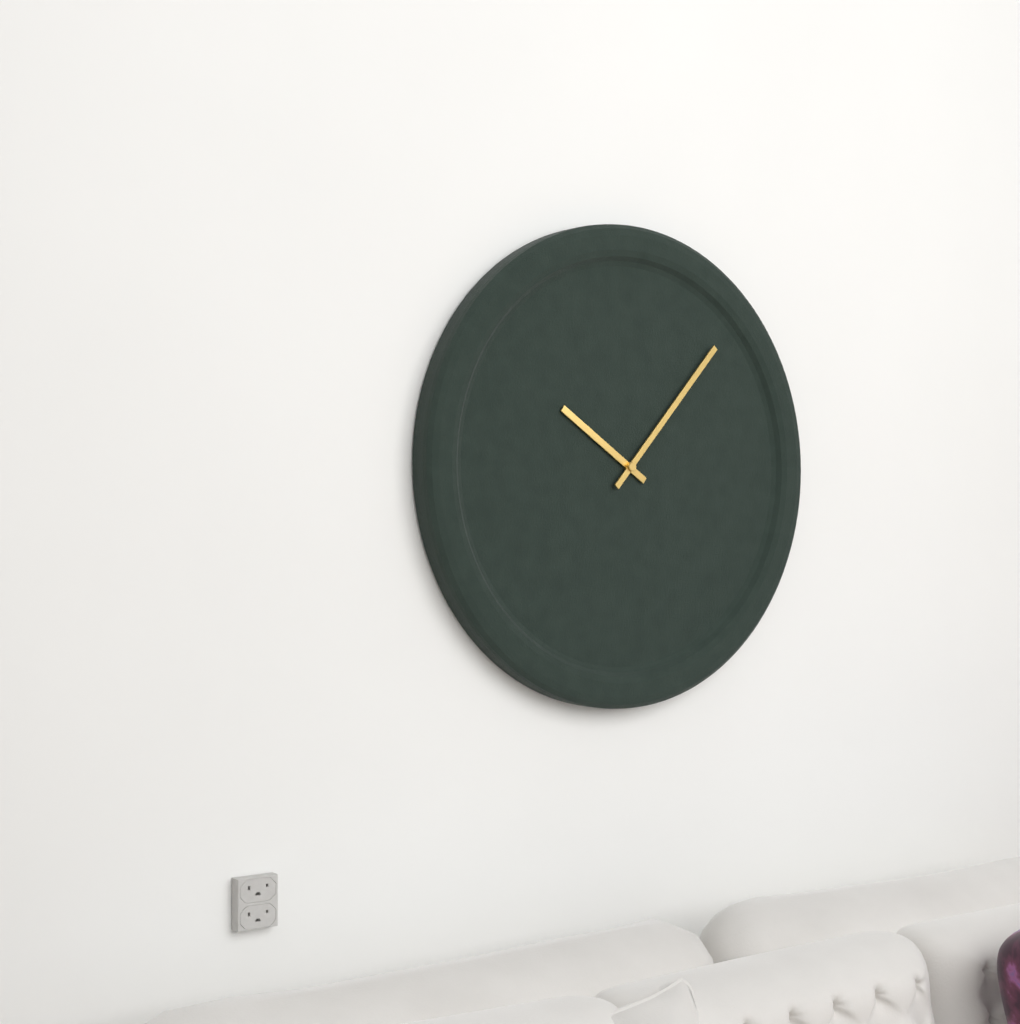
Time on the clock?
10:07
